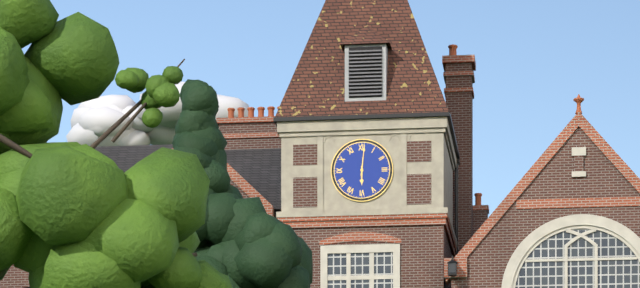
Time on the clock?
6:01
